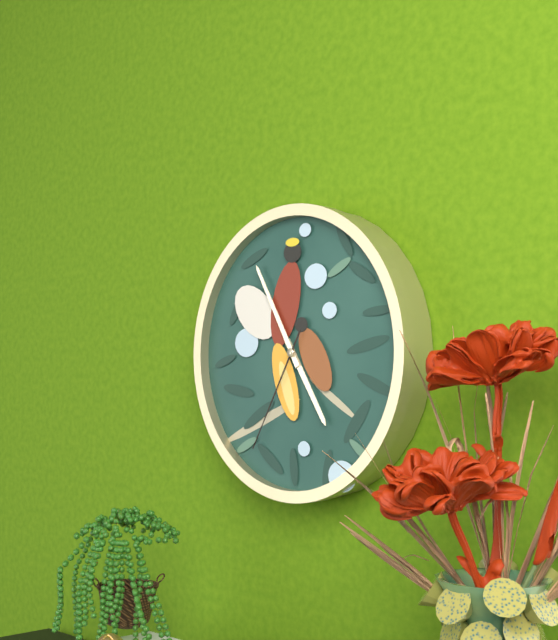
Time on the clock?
4:55:35
